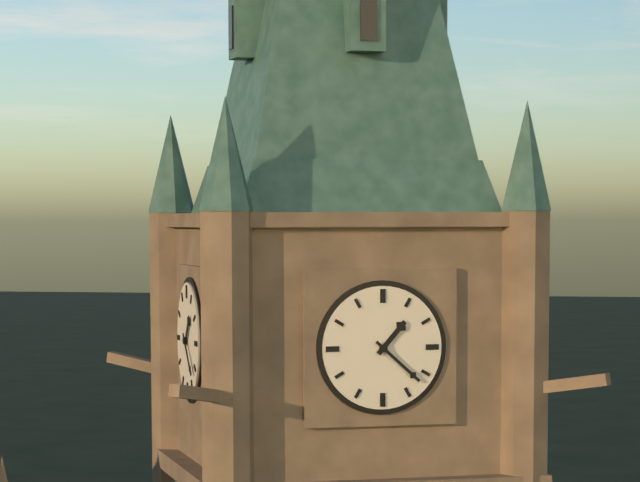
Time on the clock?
1:22
